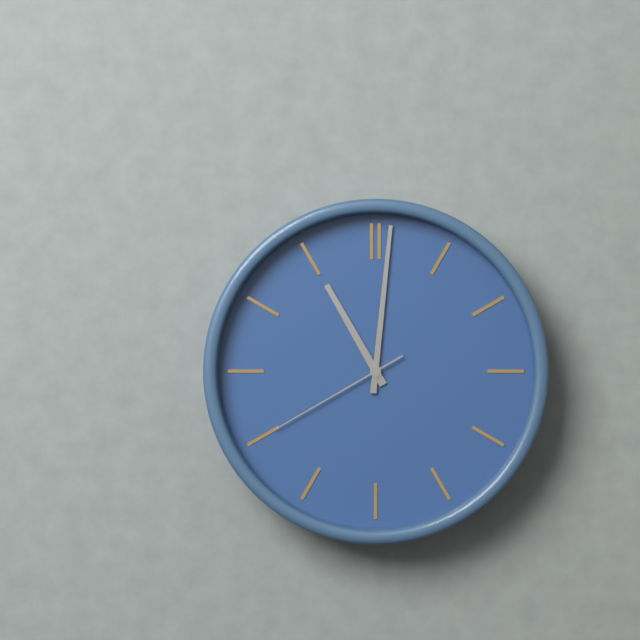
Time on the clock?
11:01:40
